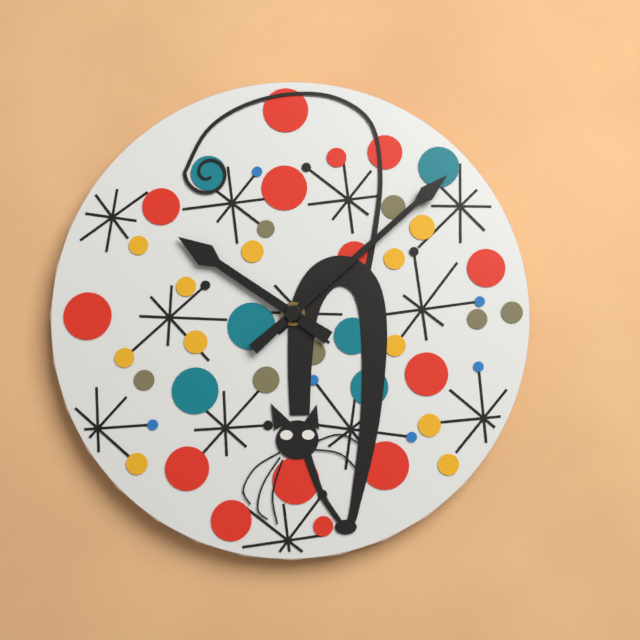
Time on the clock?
10:08
